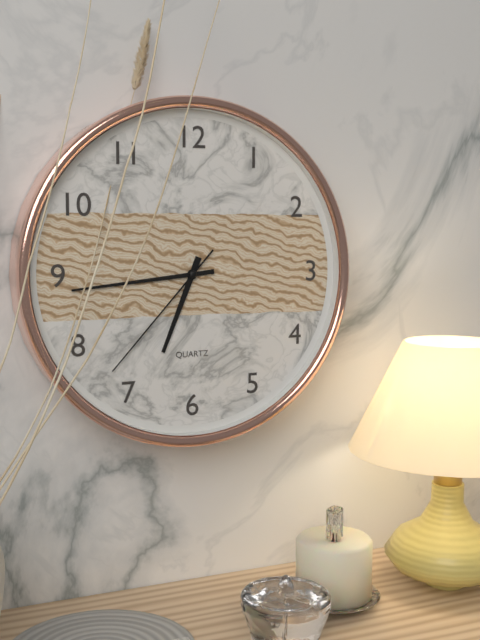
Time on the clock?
6:44:37
